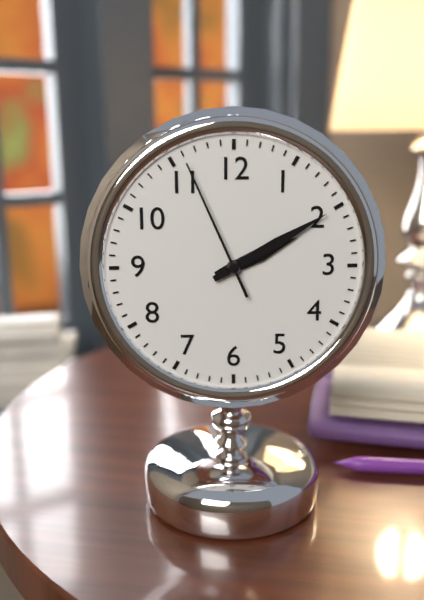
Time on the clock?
2:10:56
